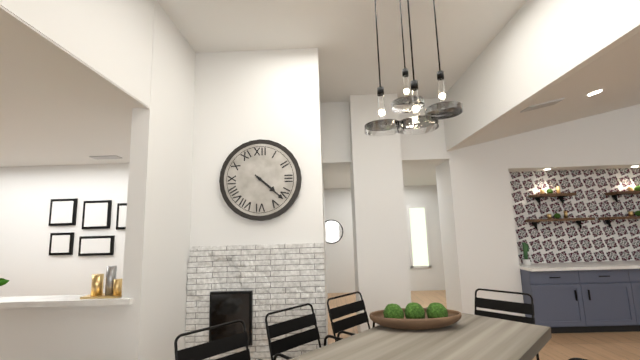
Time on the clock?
4:22
